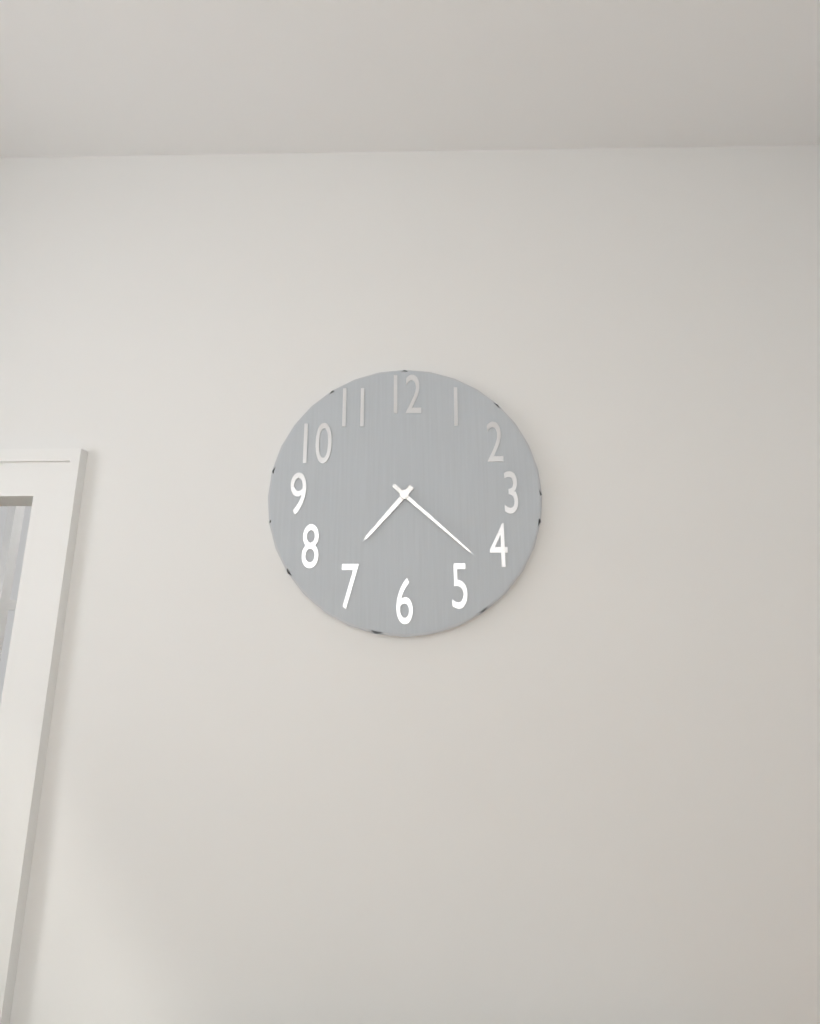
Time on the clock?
7:22
